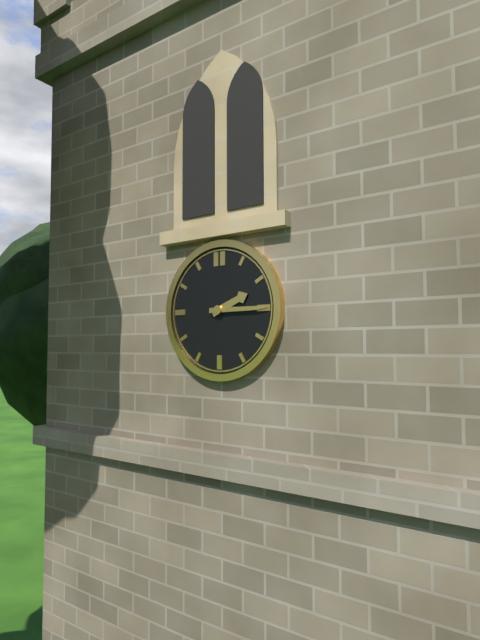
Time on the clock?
2:15
